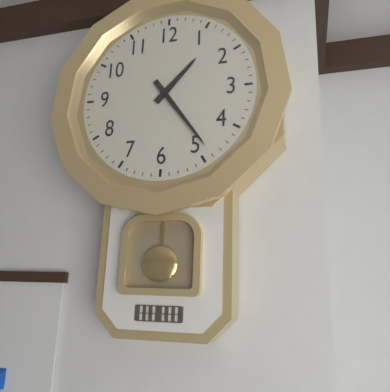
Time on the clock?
1:24
